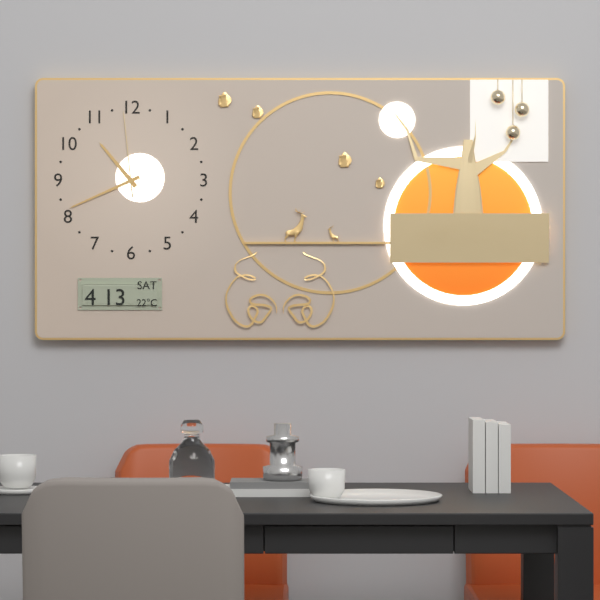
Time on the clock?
10:41:59
